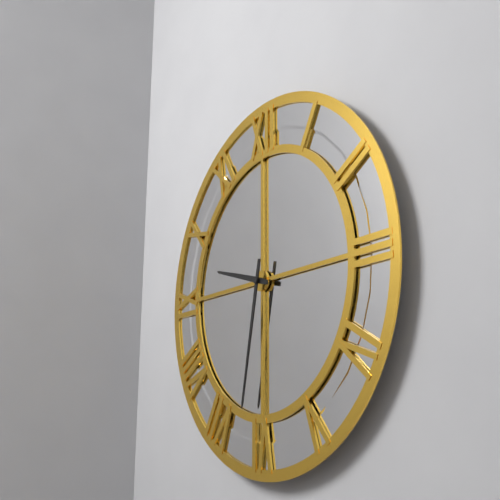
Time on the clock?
9:32
